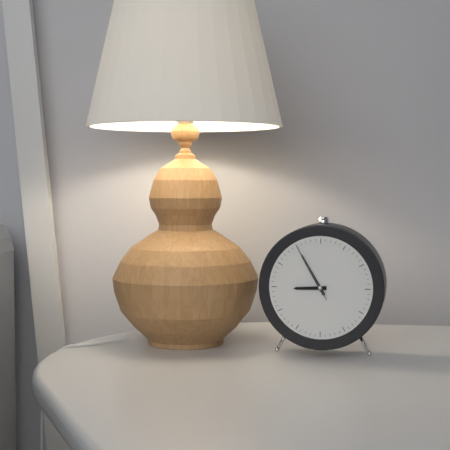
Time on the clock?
8:55:55
